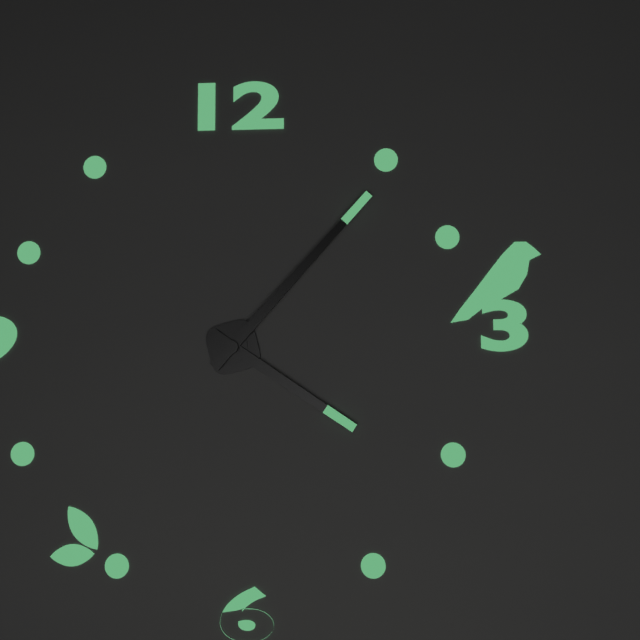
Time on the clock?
4:07
